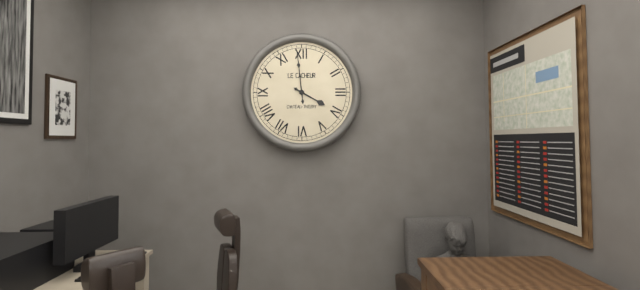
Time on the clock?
3:59
